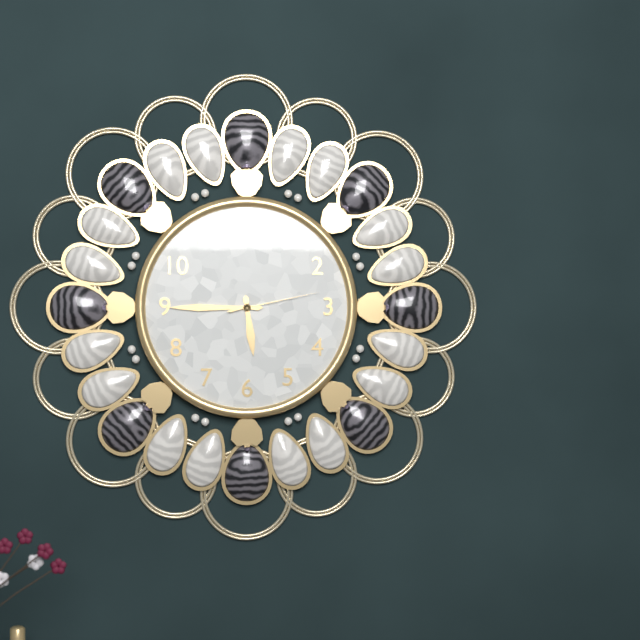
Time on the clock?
5:45:13
